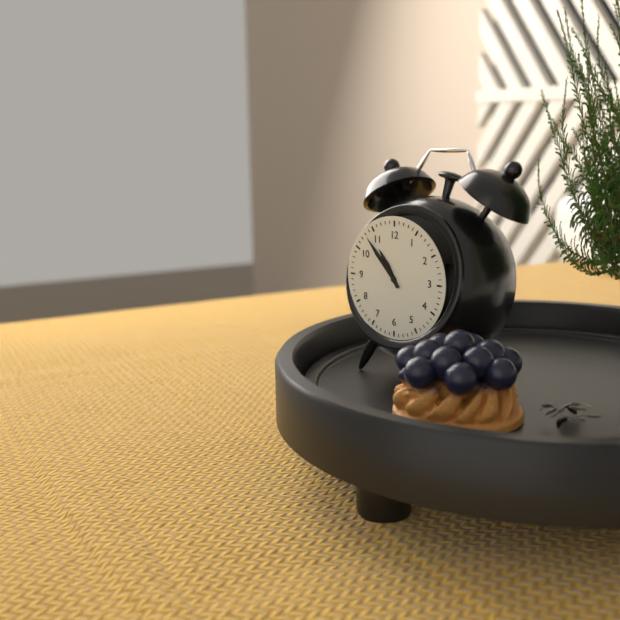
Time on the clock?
10:53
